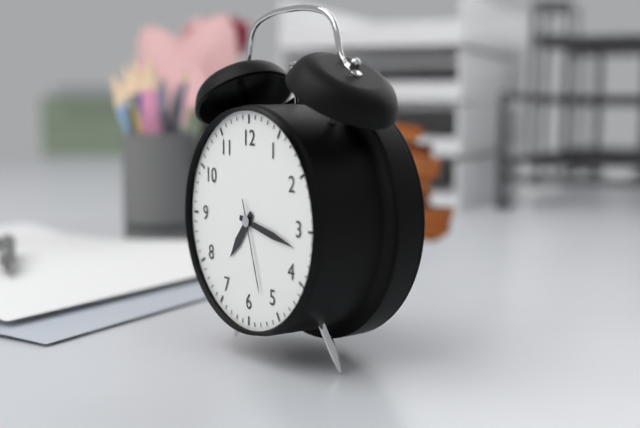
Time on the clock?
7:17:27
